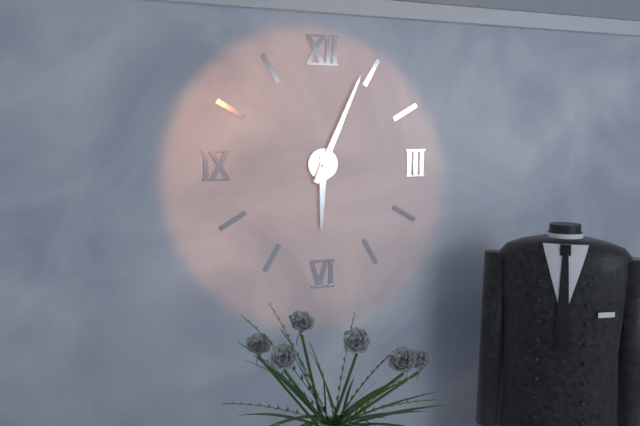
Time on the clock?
6:04
